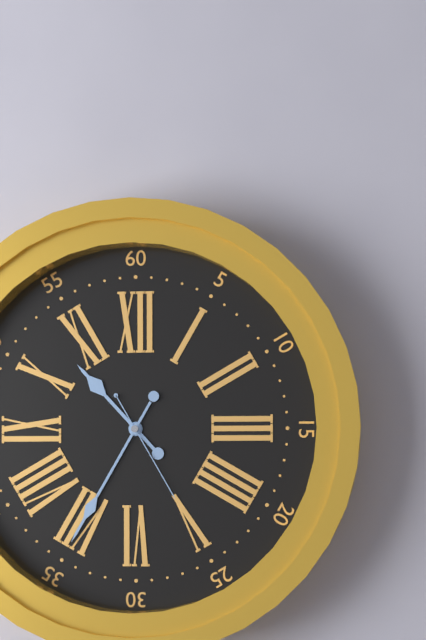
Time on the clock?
10:35:25
